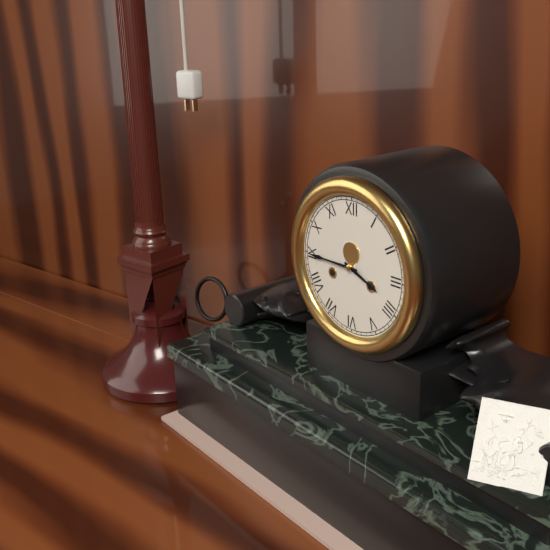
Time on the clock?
3:45
